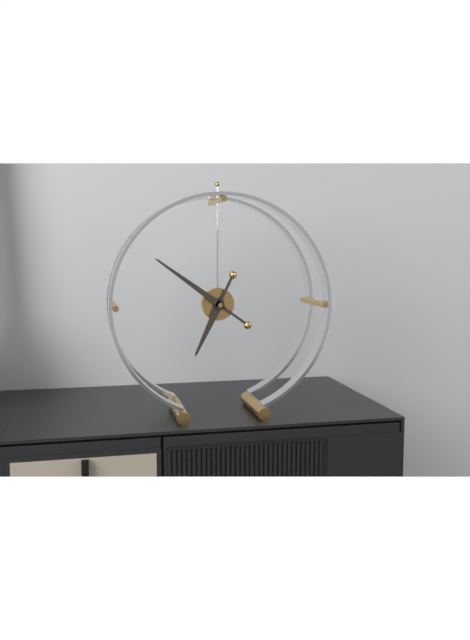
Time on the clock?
6:51
